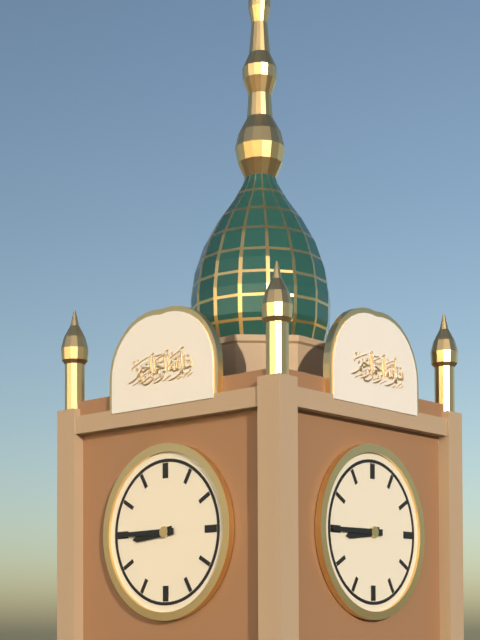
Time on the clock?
8:45
